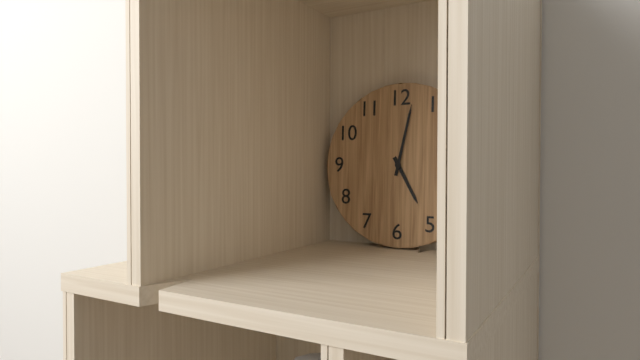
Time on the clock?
5:02
